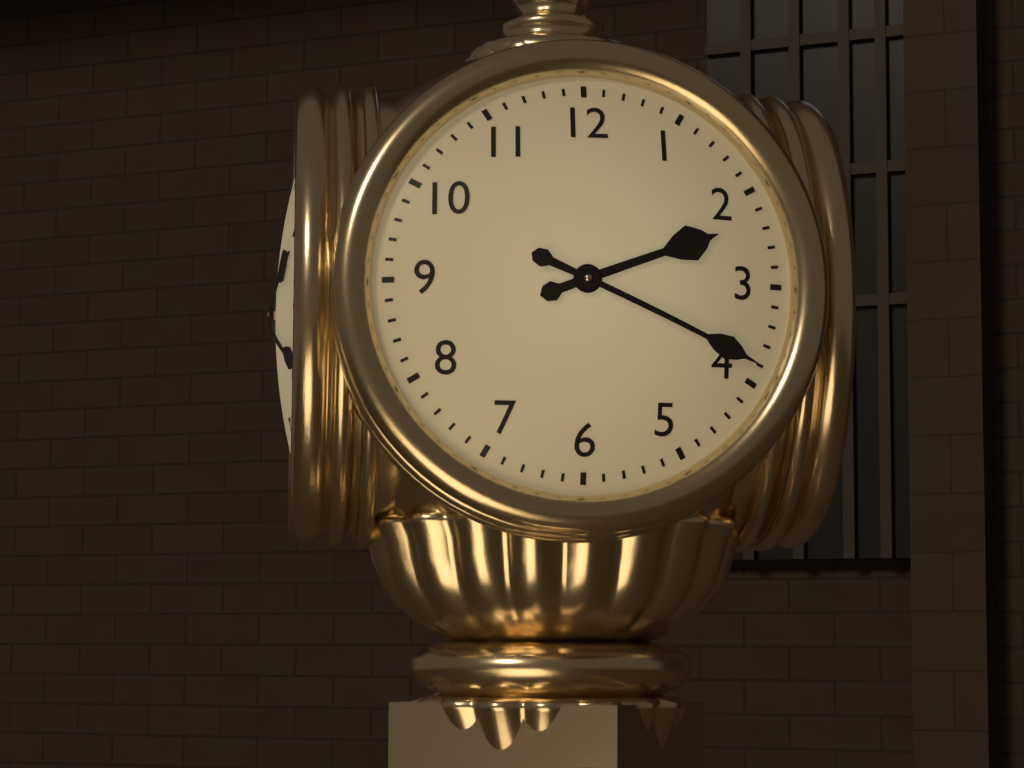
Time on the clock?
2:19
